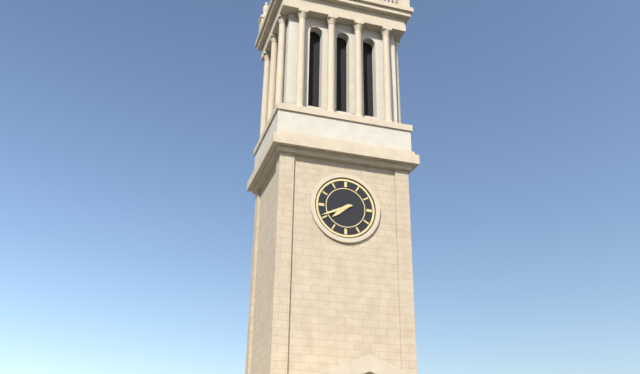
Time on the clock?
7:41
